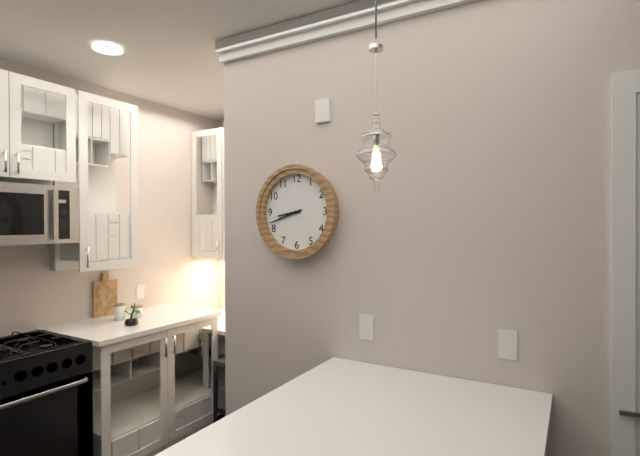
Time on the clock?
8:42
